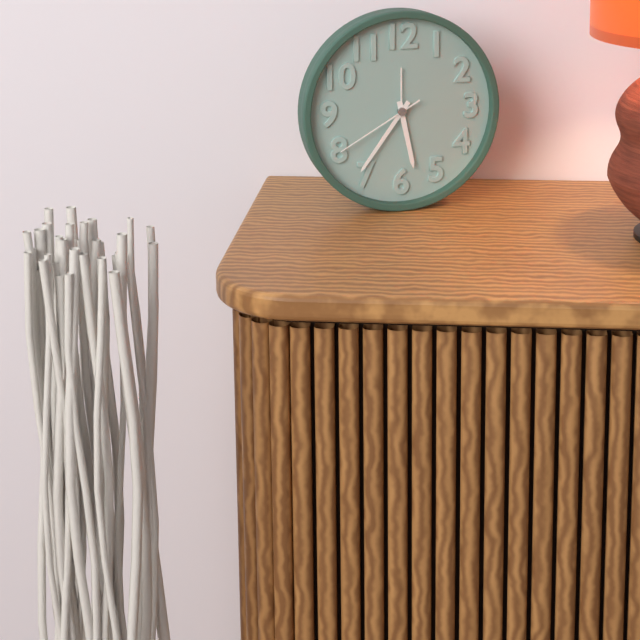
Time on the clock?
5:36:40
